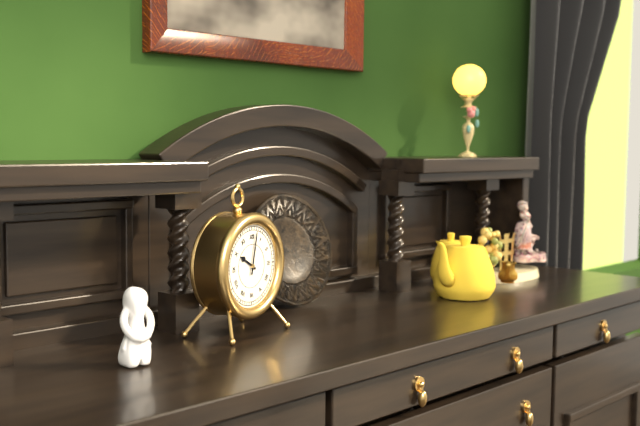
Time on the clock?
10:02
